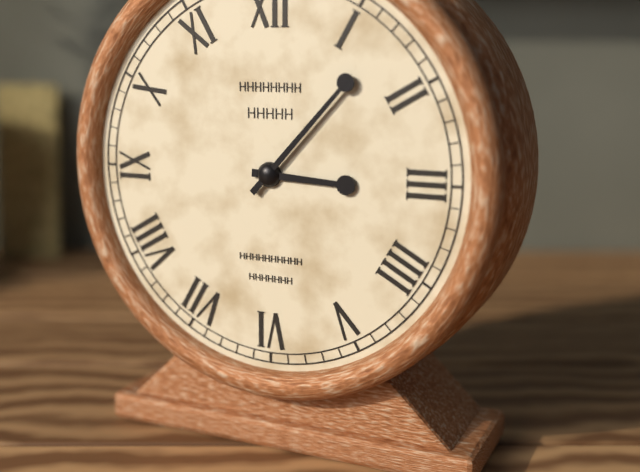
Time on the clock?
3:07
